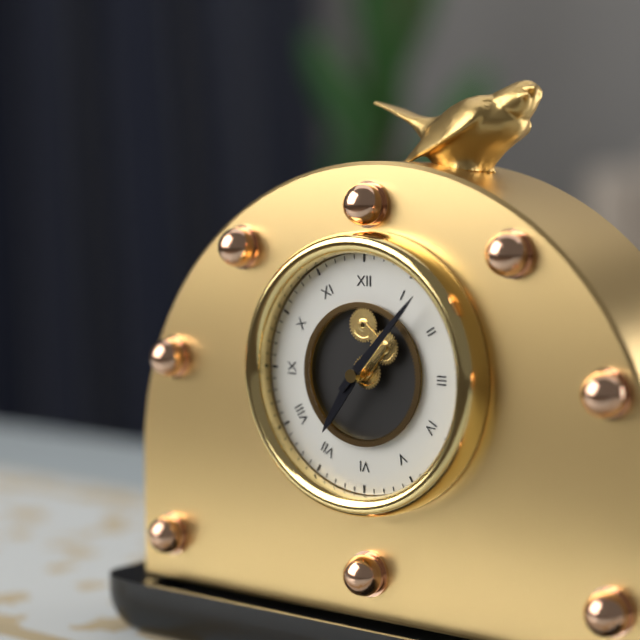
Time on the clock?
7:07
